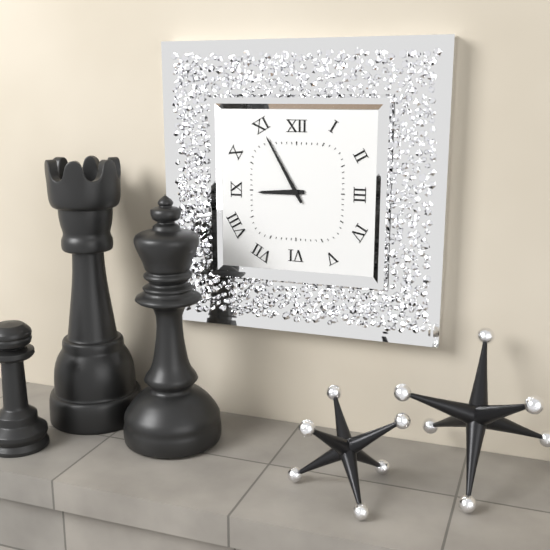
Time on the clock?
8:55
